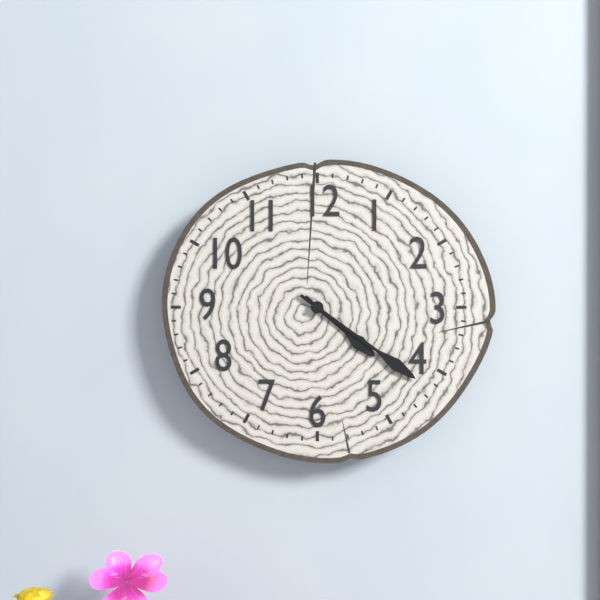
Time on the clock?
4:21
